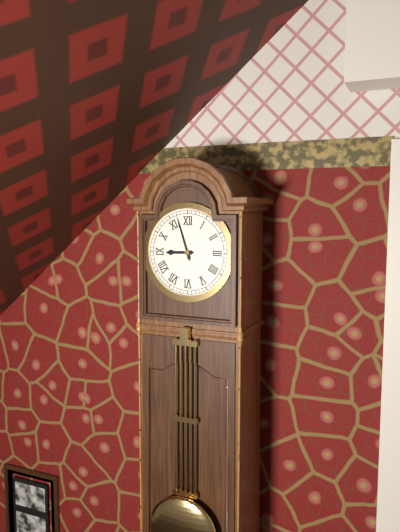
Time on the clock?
8:57
